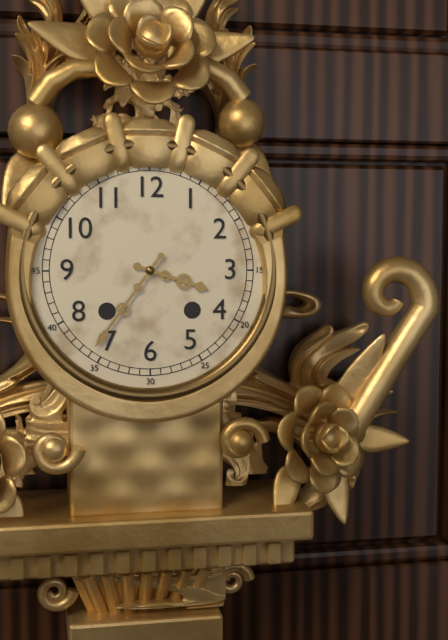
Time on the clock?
3:36
